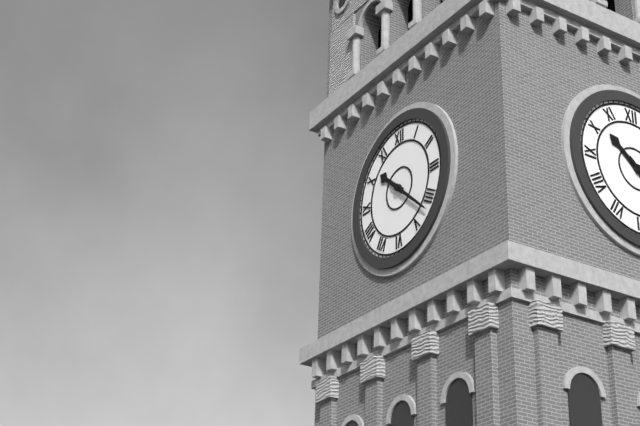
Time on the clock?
10:22
